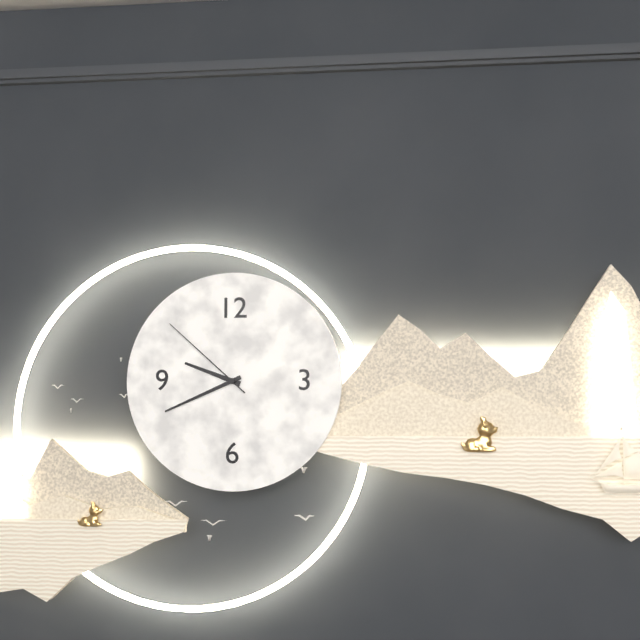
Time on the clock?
9:41:52
